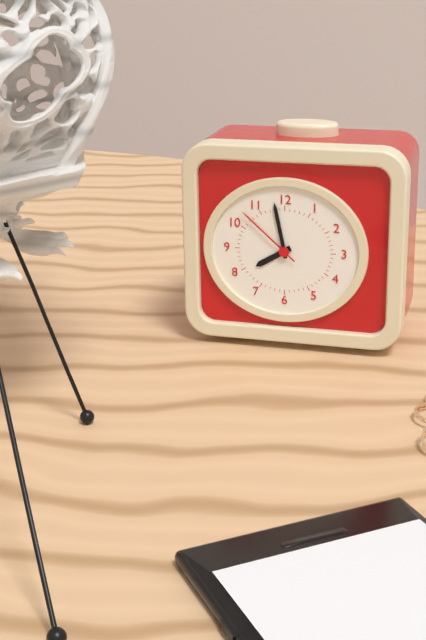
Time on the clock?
7:58:52
